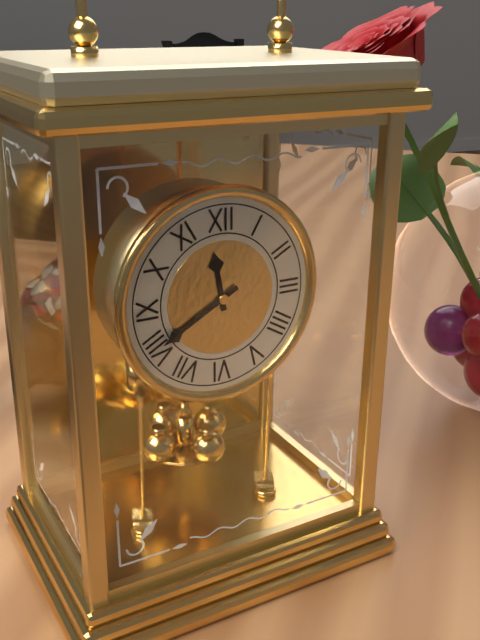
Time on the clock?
11:40
